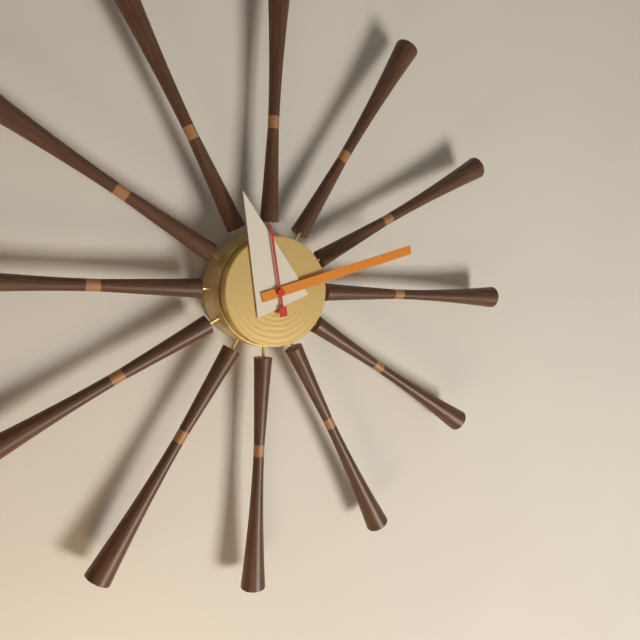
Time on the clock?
11:12:58
